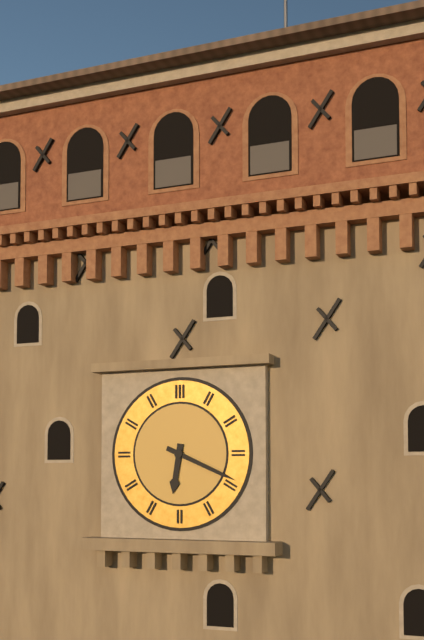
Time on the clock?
6:19
